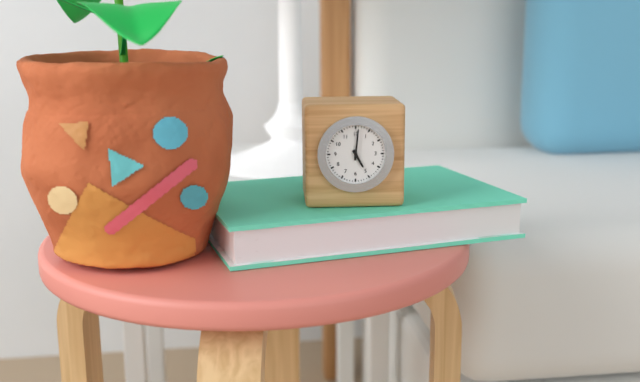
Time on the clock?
5:01
